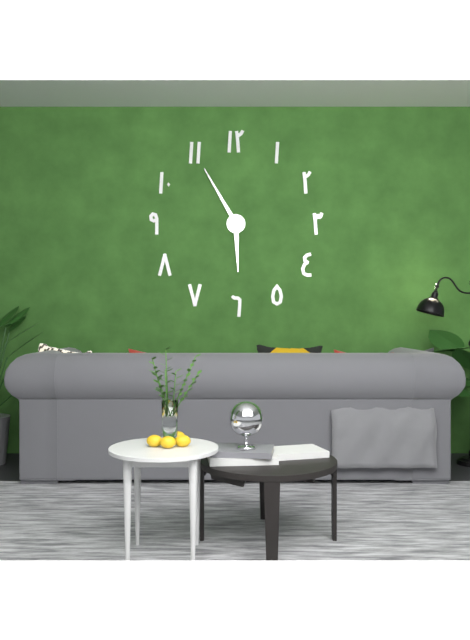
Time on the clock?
5:55
